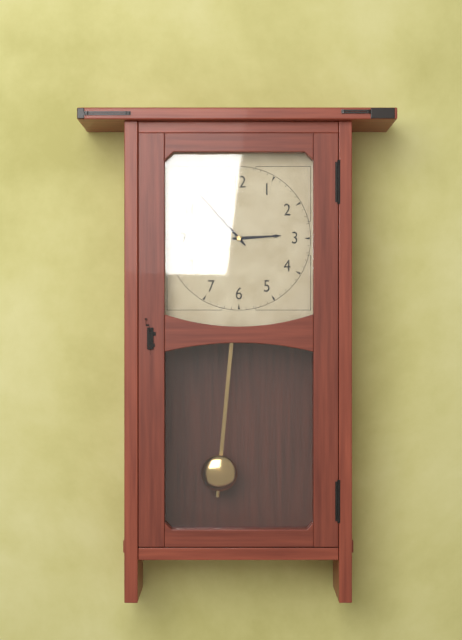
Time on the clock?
2:53
